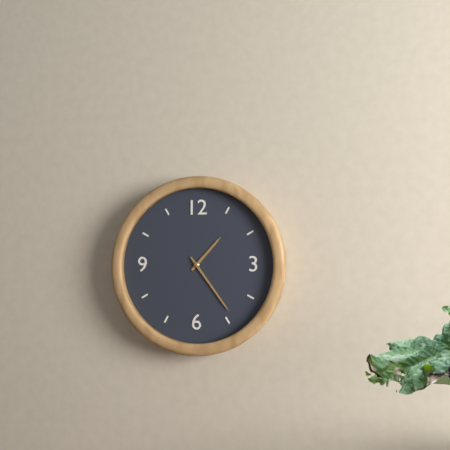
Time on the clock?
1:24
